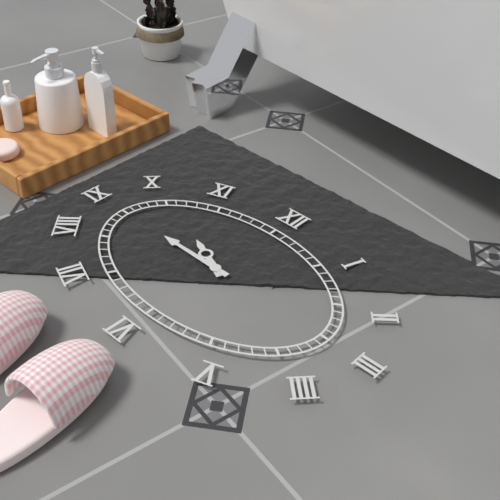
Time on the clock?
9:45
